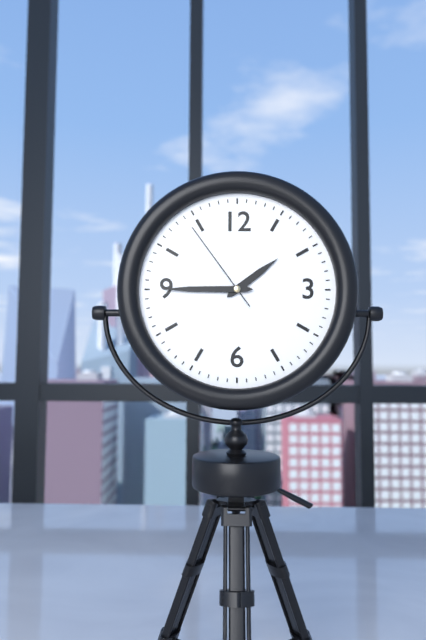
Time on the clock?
1:45:54
